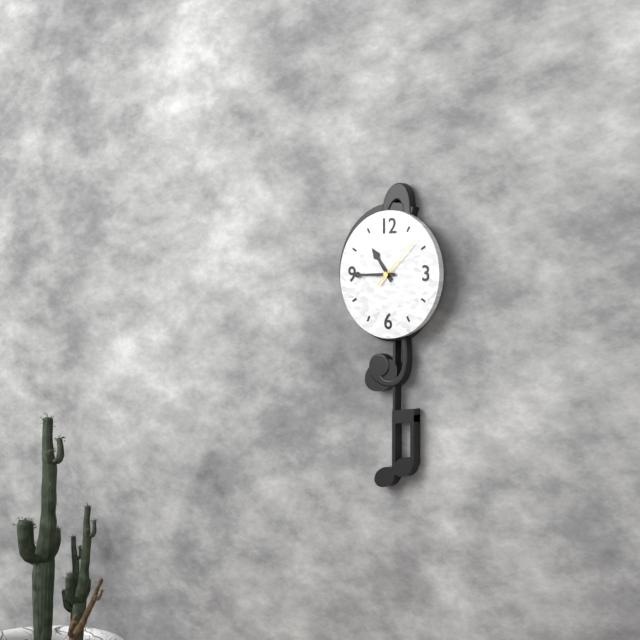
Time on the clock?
10:45:08
